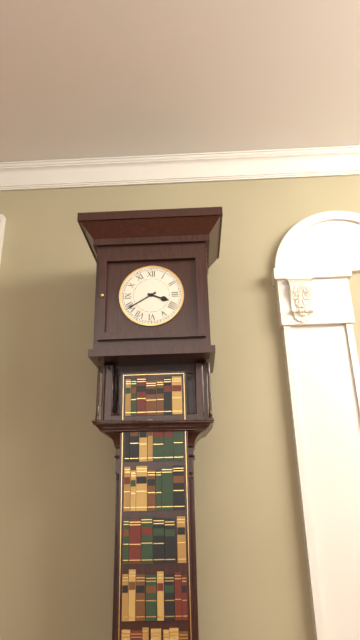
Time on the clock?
3:40
